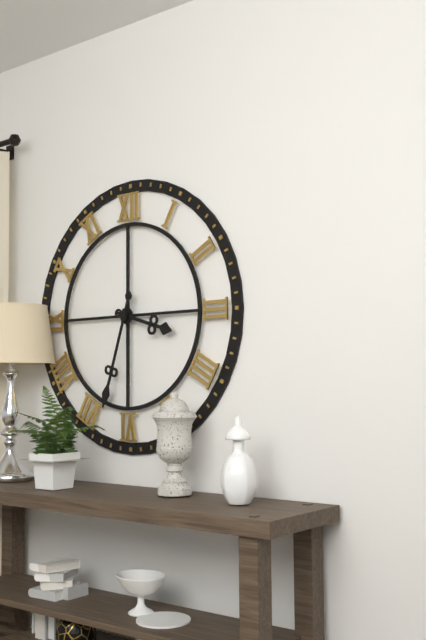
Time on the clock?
3:33
